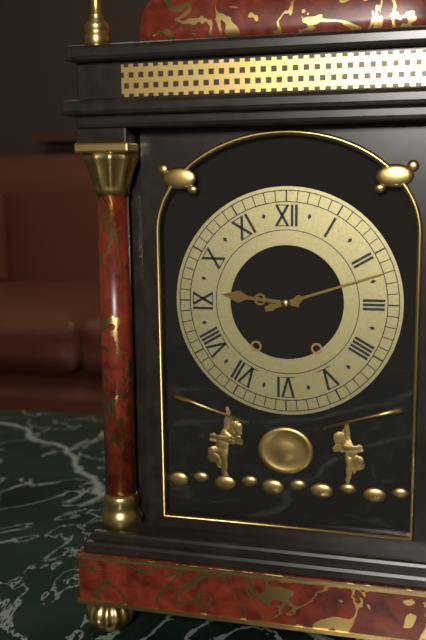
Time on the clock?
9:12
